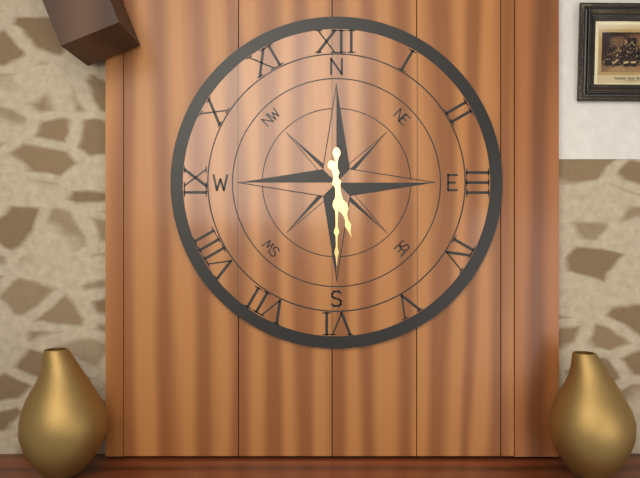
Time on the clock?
5:30
